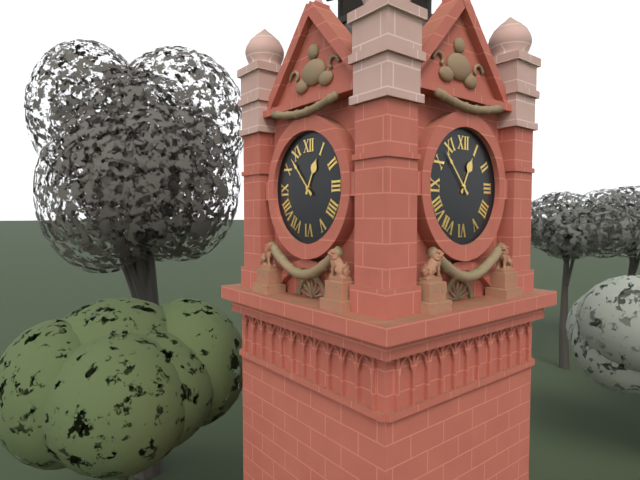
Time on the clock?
12:53
